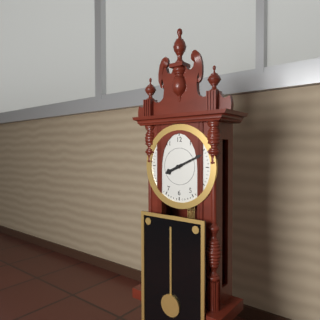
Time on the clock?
8:11
